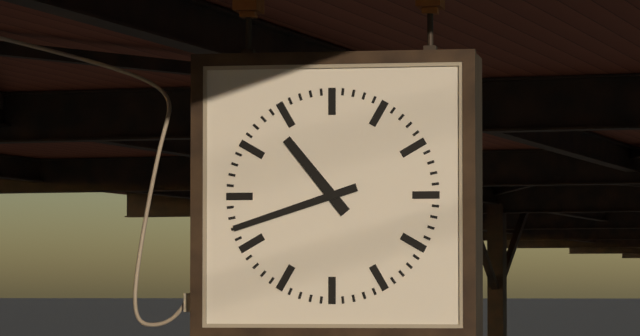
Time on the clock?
10:42
